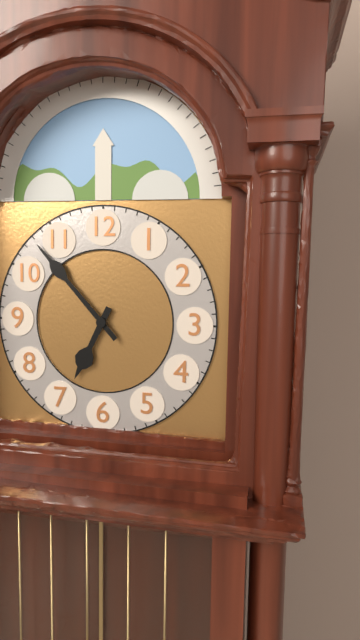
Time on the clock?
6:53
